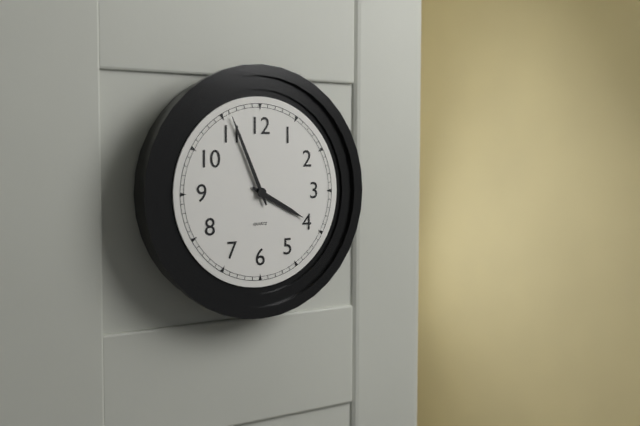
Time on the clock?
3:56
